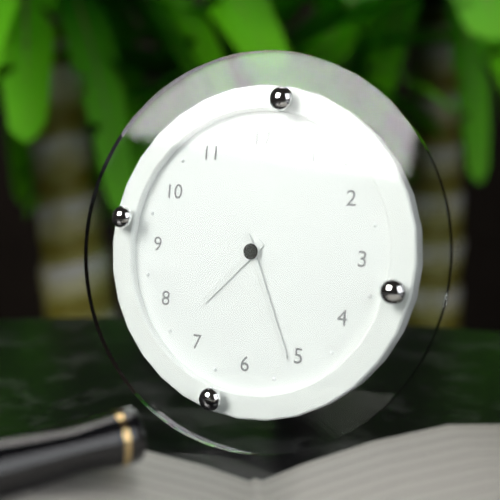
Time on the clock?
7:26
